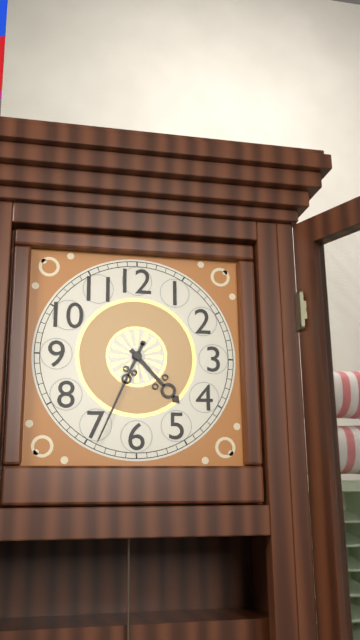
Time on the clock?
4:34
